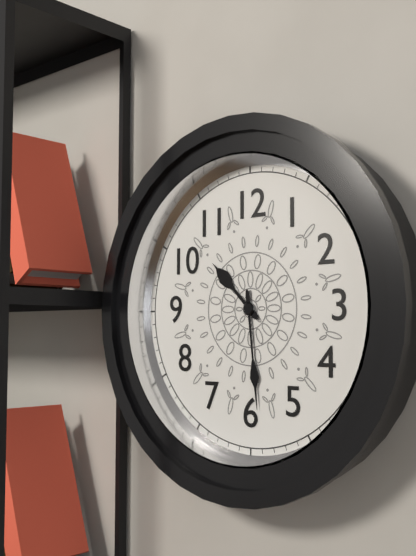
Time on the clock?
10:29
